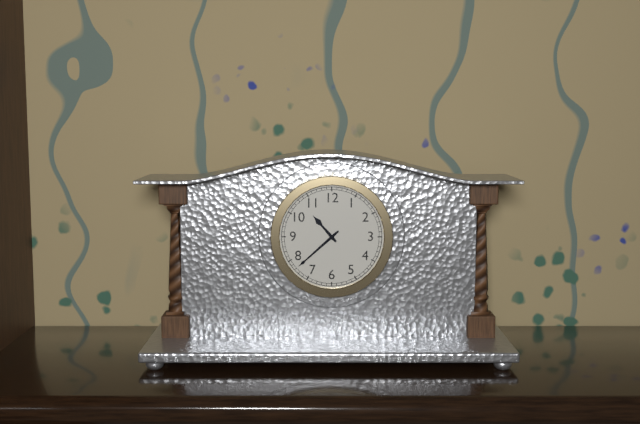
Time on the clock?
10:38
